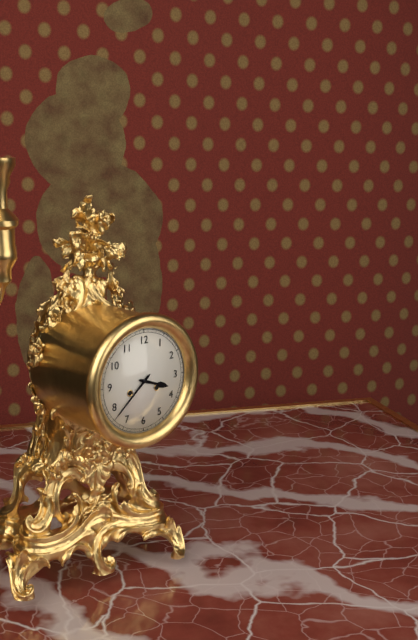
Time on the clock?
3:38
